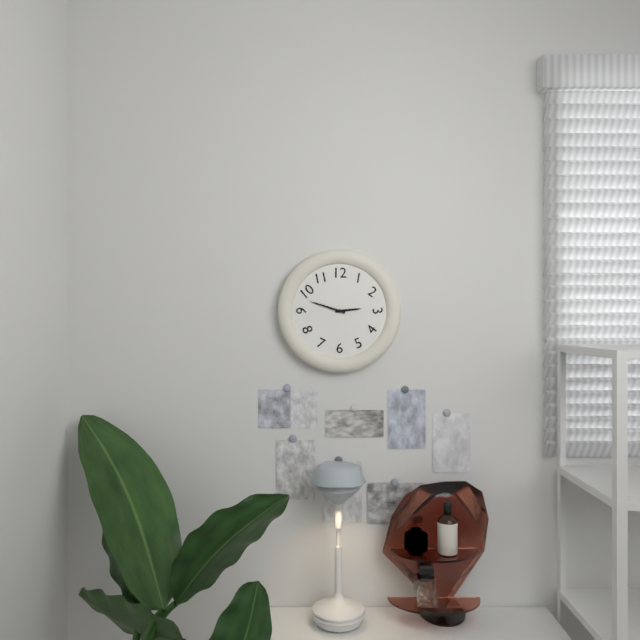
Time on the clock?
2:48
